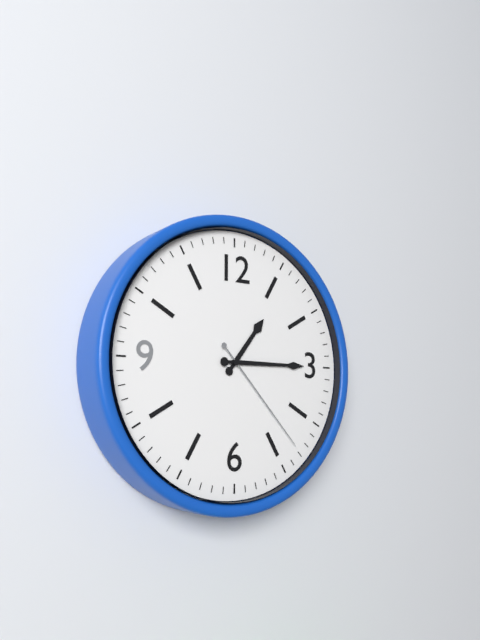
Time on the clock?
1:15:23
